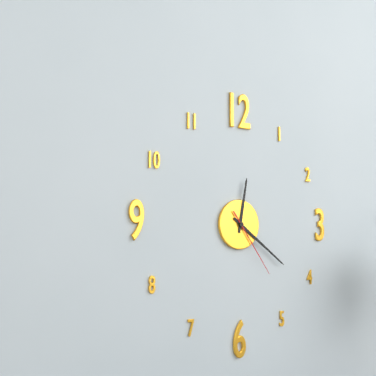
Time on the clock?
12:21:24
